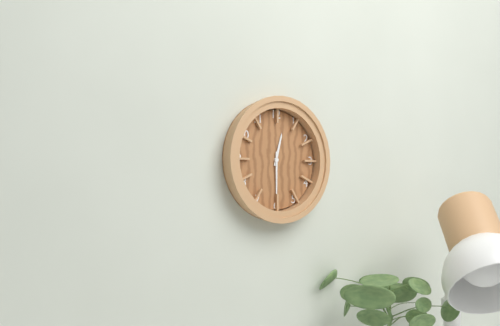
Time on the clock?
12:30
